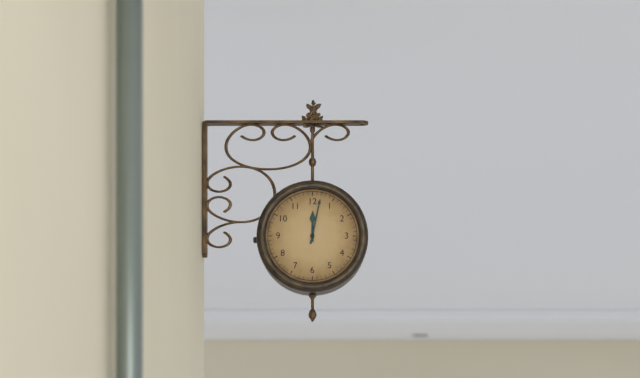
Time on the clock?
12:02
